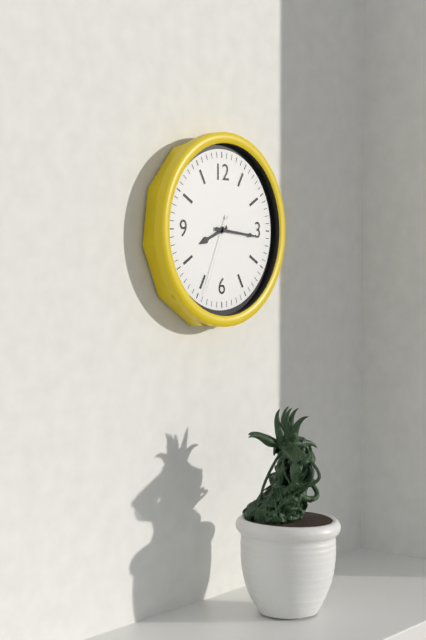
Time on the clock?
8:16:34
